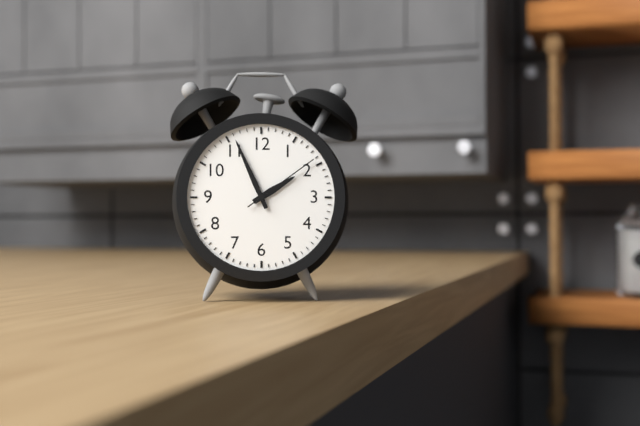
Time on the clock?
1:56:09
